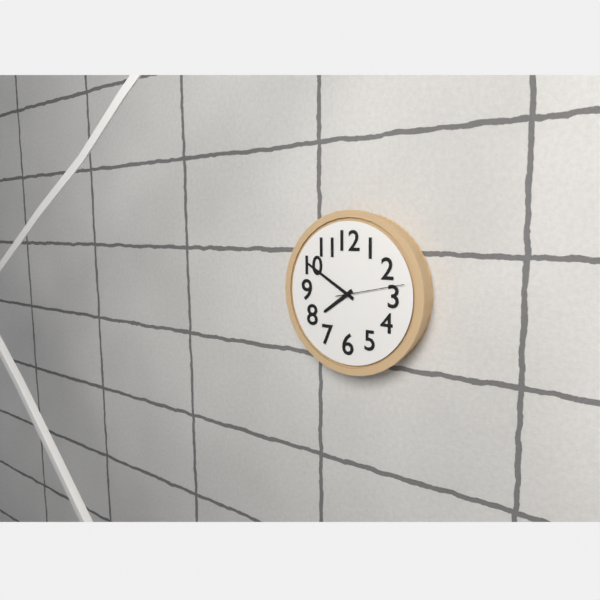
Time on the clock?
7:50:13
